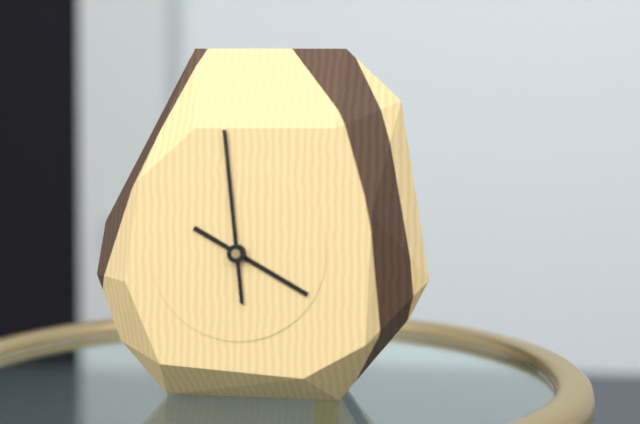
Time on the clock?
3:59
